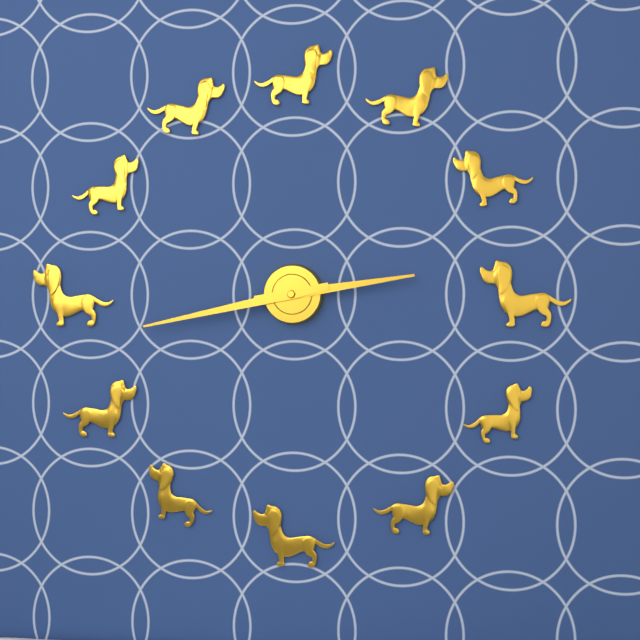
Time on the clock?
2:43
